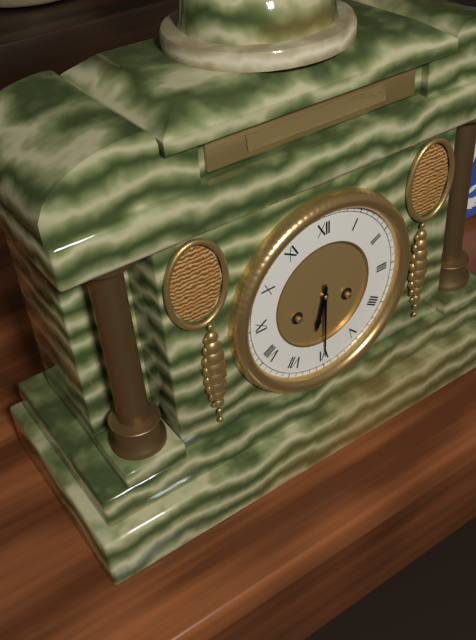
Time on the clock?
6:30
